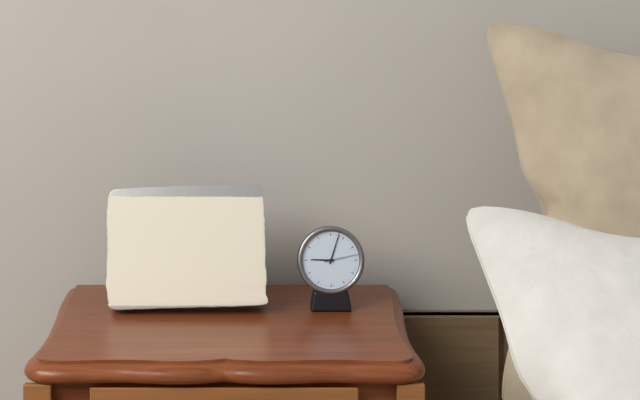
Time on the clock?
9:03
